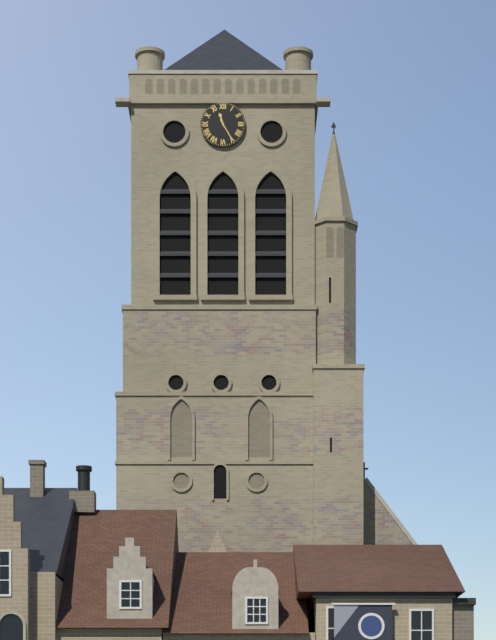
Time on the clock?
11:25
